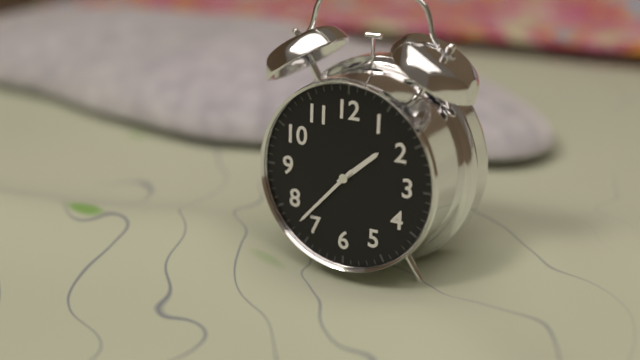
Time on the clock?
1:37
